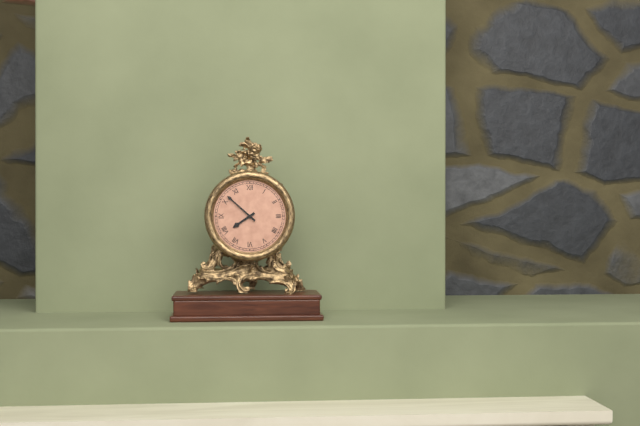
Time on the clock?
7:52
